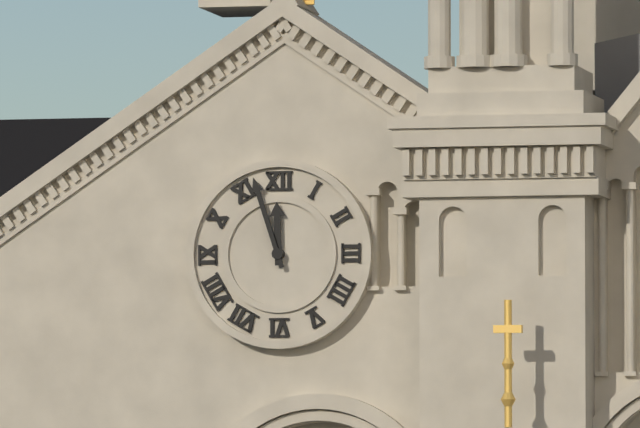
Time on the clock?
11:57
